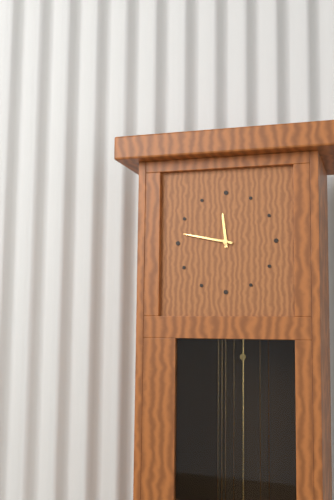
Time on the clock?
11:47
